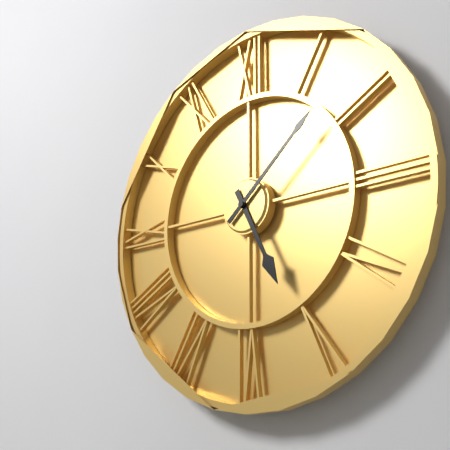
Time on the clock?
5:08
